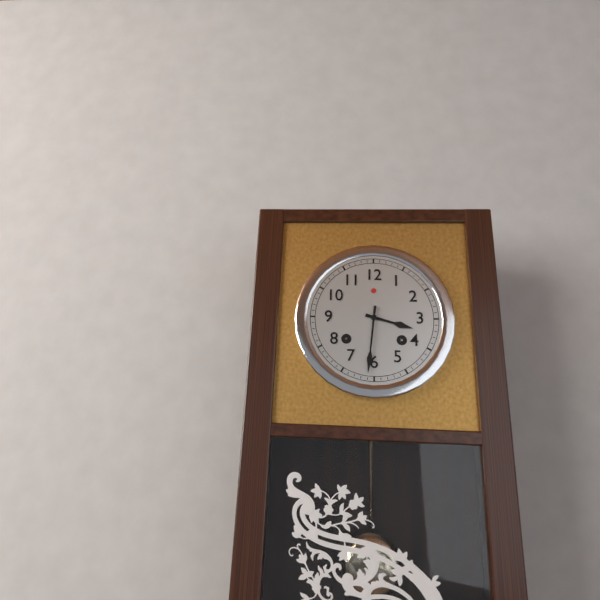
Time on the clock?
3:31
